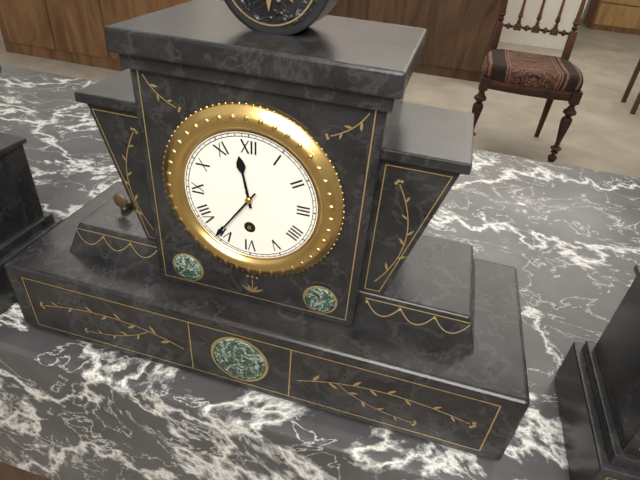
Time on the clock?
11:36
